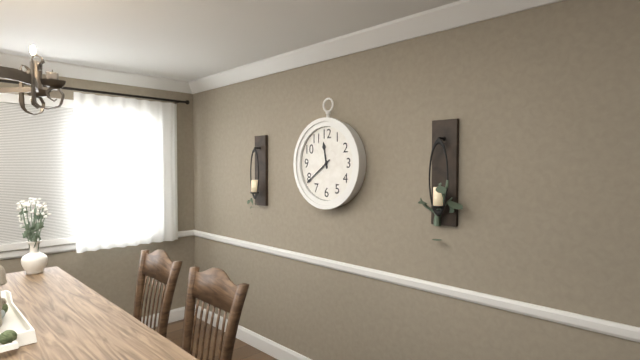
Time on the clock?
11:39
